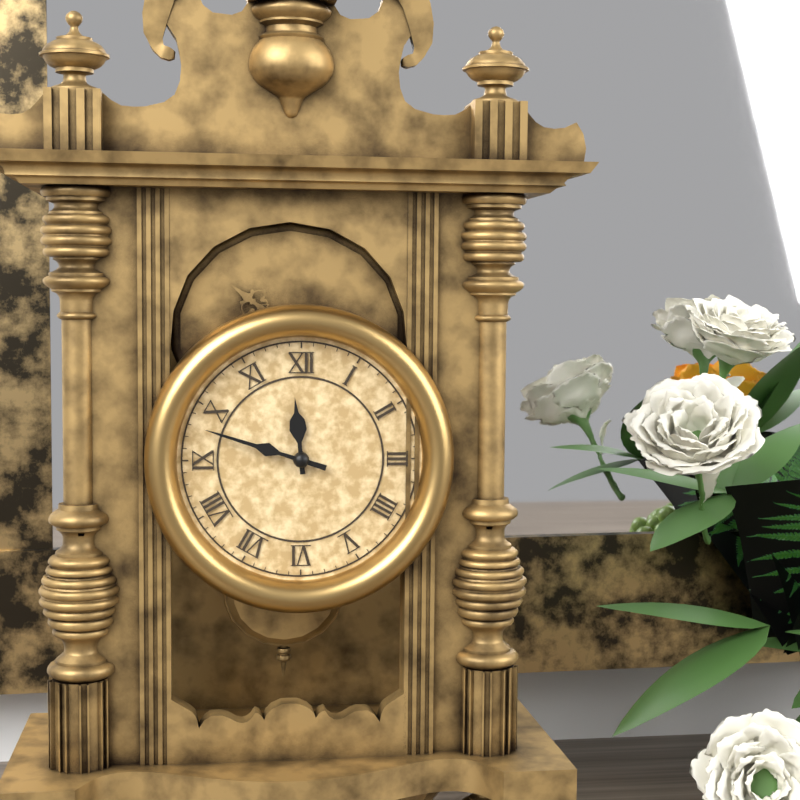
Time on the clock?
11:48
